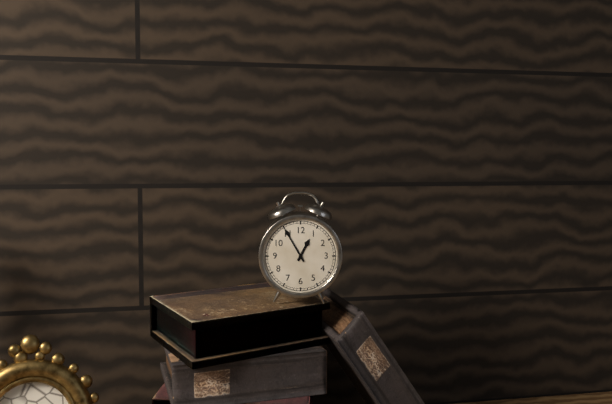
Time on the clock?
12:55
